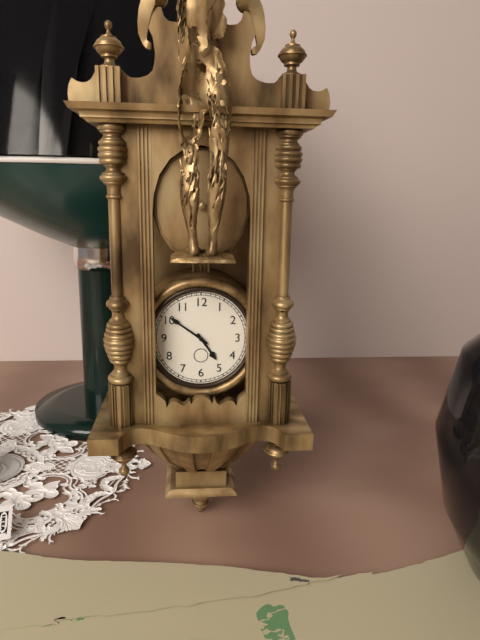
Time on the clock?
4:51
